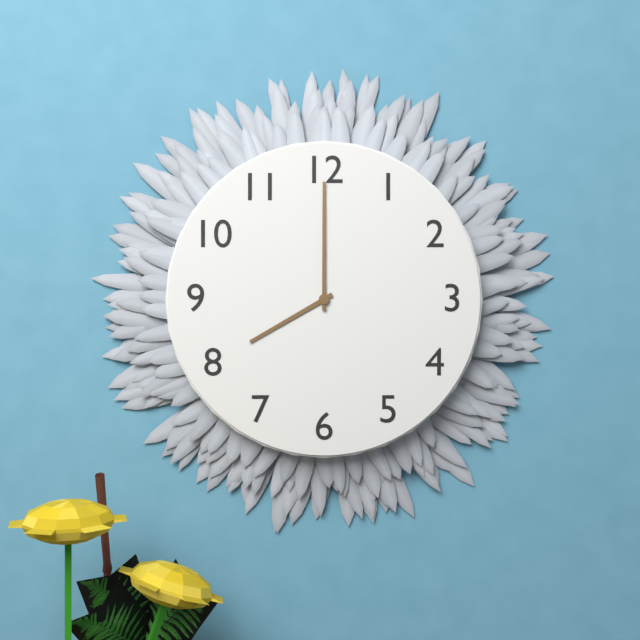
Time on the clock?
8:00
